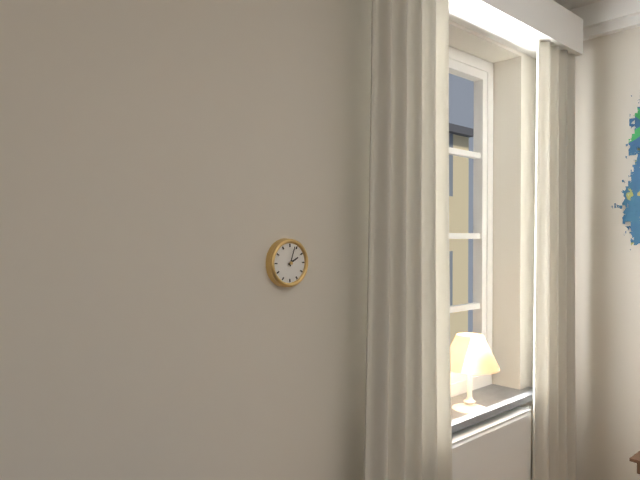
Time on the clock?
2:03
